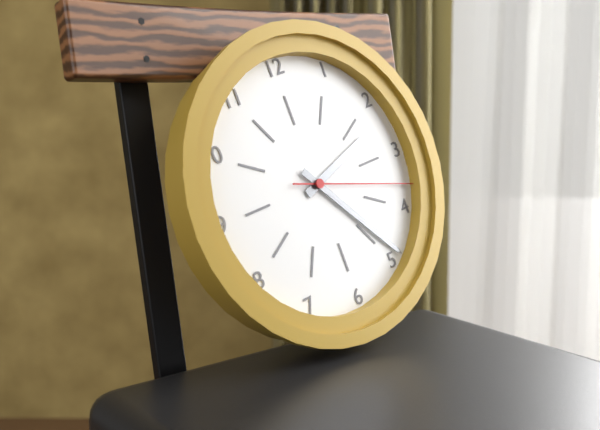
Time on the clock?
2:24:18
